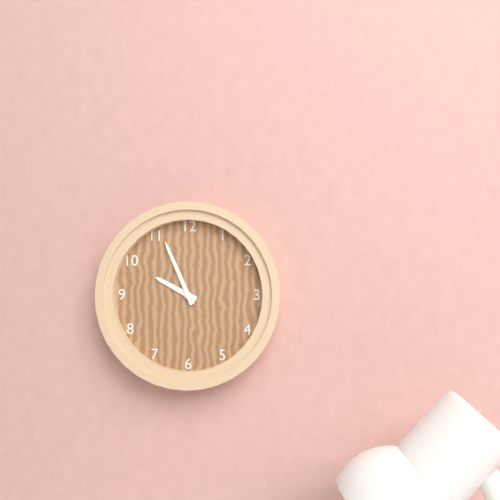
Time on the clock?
9:56
